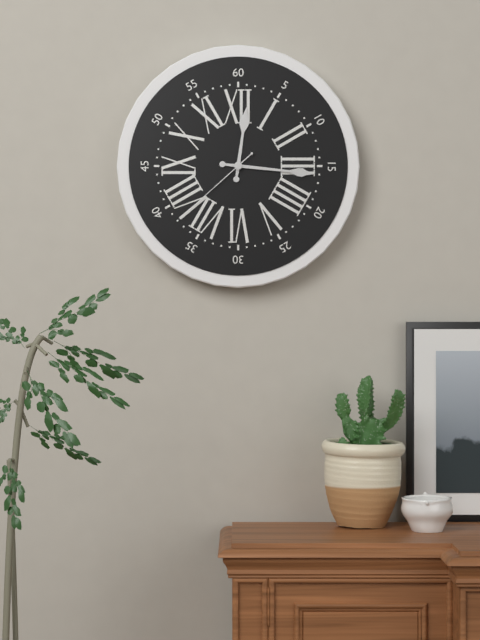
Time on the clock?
12:16:38
